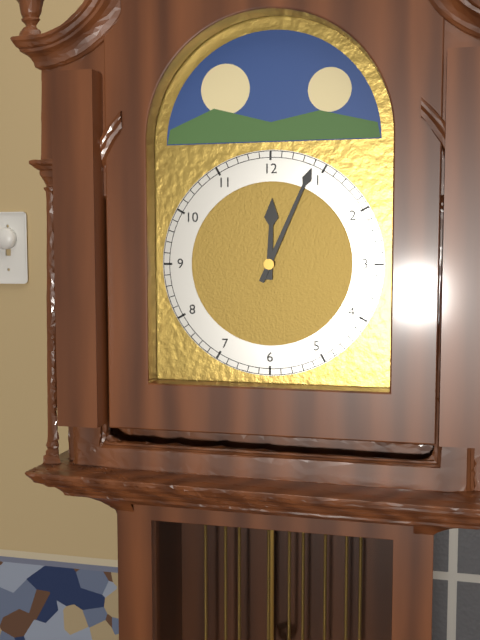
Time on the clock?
12:04
